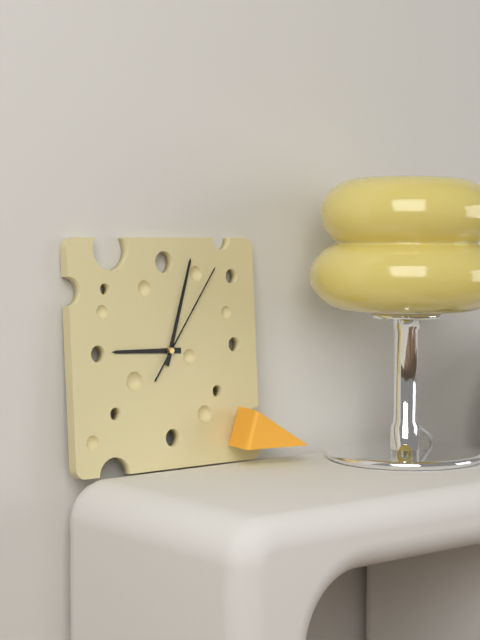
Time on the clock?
9:03:06
